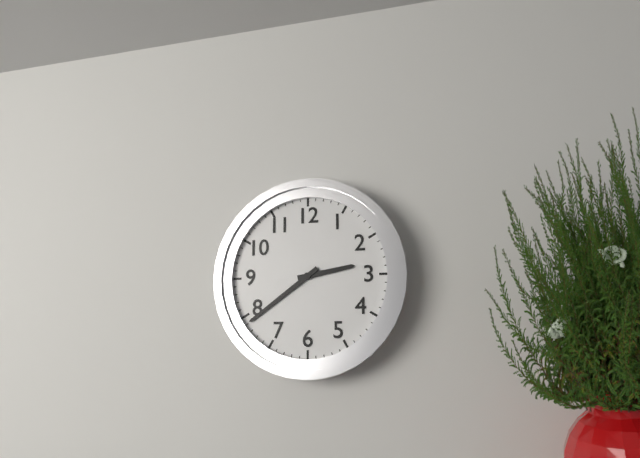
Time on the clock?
2:39
